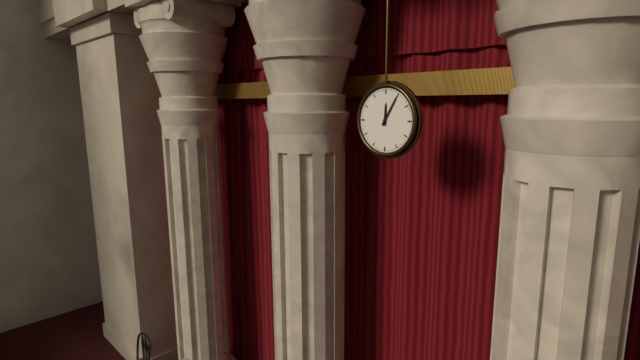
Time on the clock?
12:05
